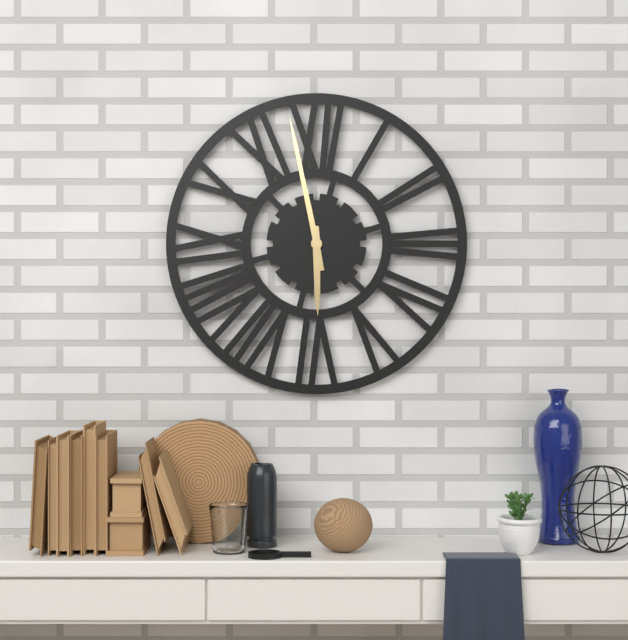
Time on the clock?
5:58
